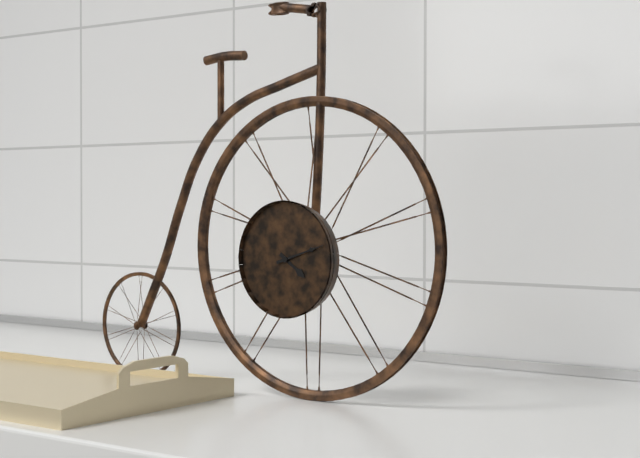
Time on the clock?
4:12
